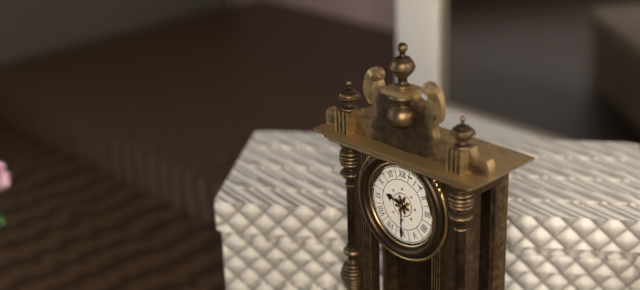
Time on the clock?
9:30
